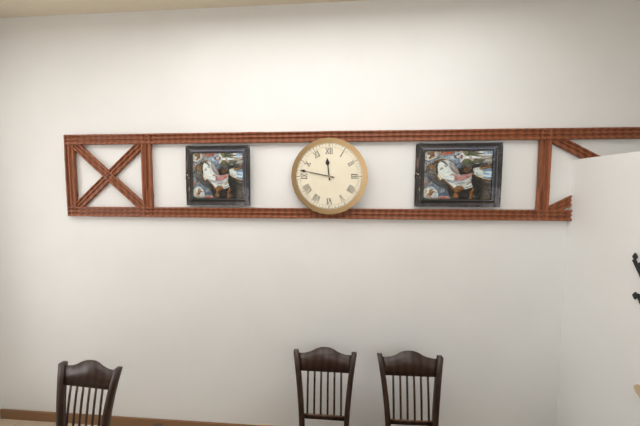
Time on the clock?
11:47
